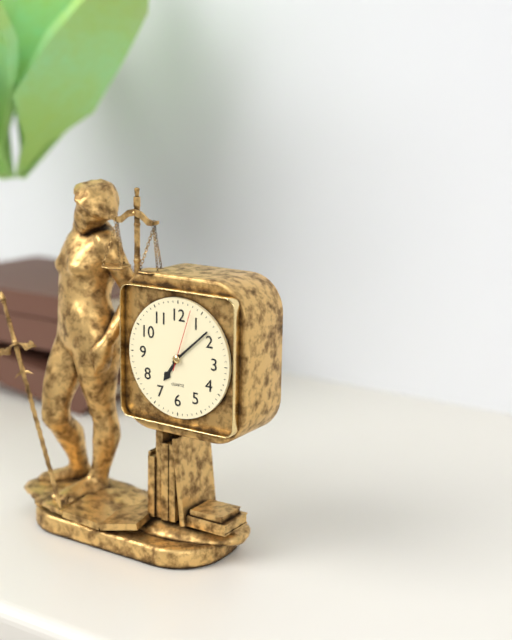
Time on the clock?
7:08:03
